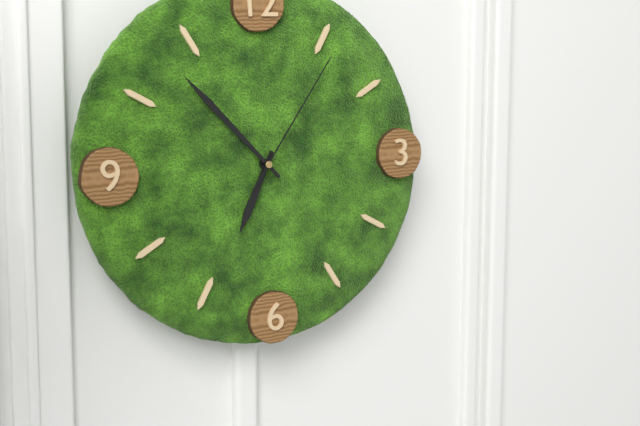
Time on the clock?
6:53:06
